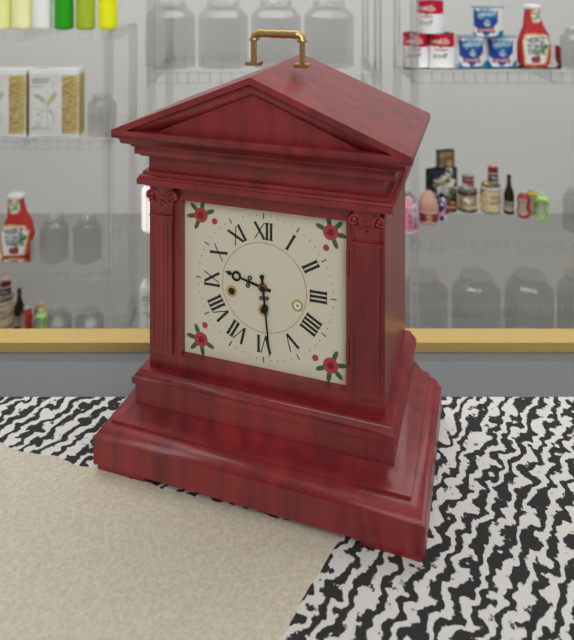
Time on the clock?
9:29
